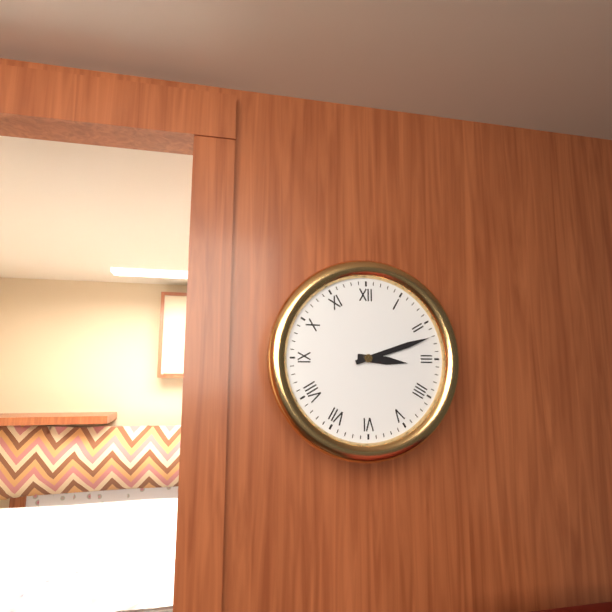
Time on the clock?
3:12
